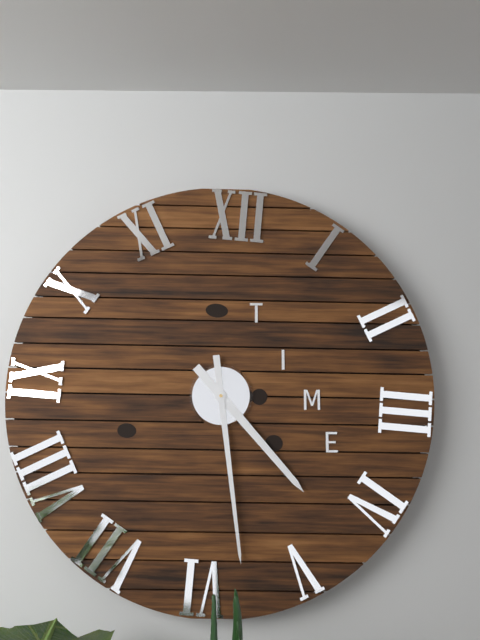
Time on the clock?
4:28
